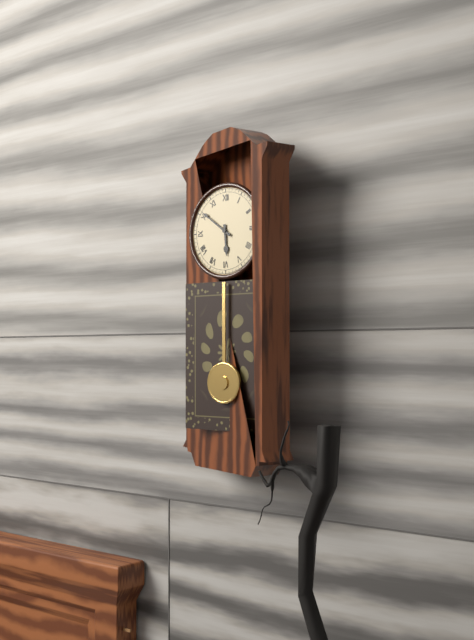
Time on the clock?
5:51
